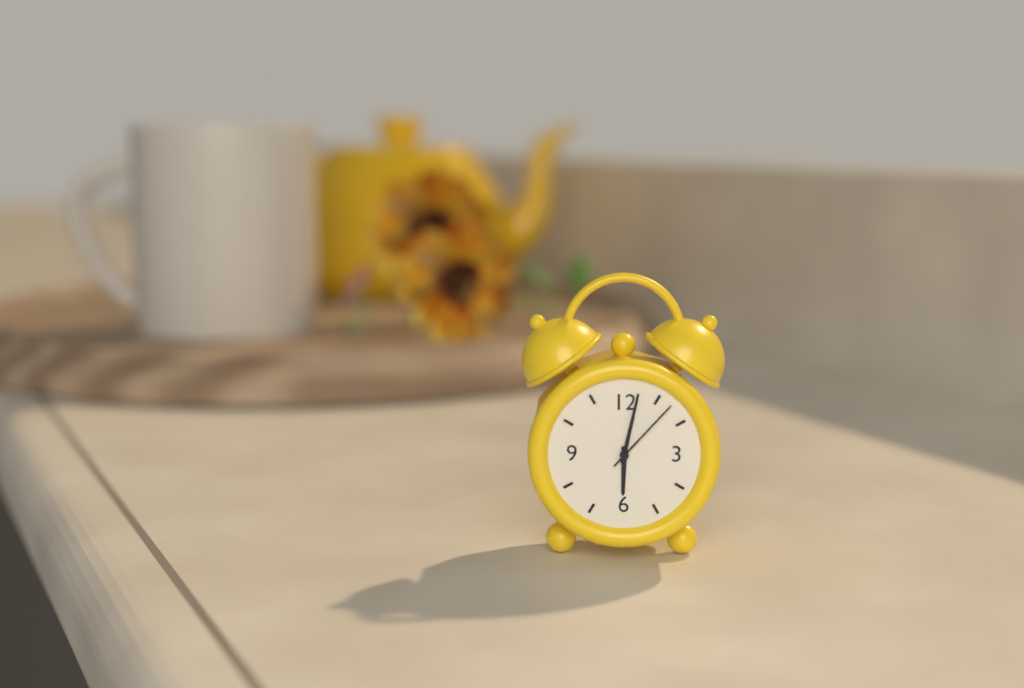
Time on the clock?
6:02:07
